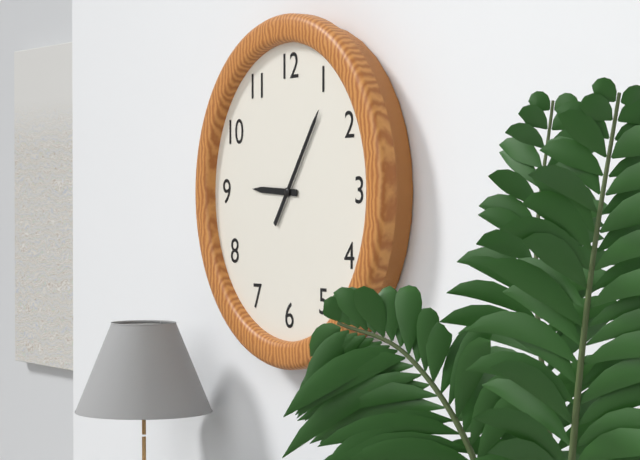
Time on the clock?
9:06
